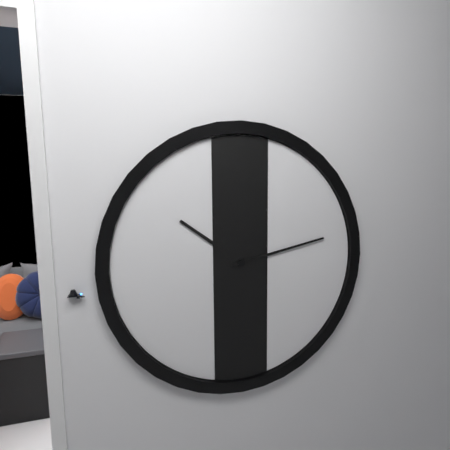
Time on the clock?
10:13
